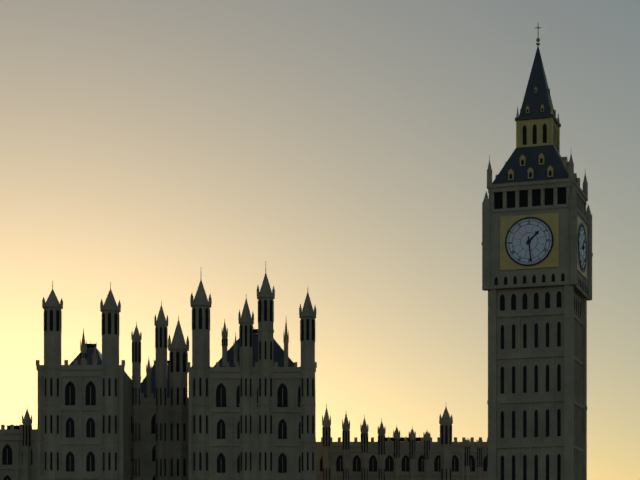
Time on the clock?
1:29
